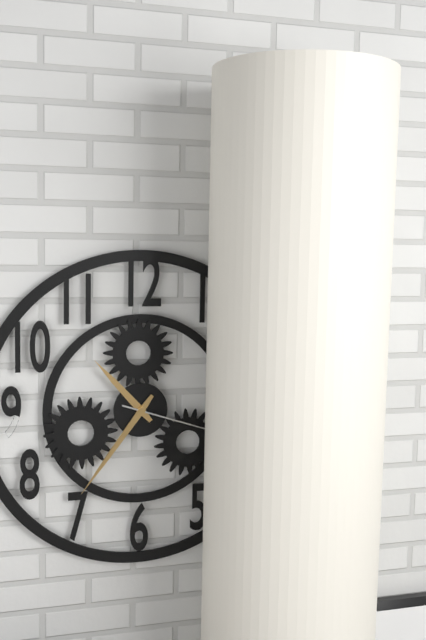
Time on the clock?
10:36:18
